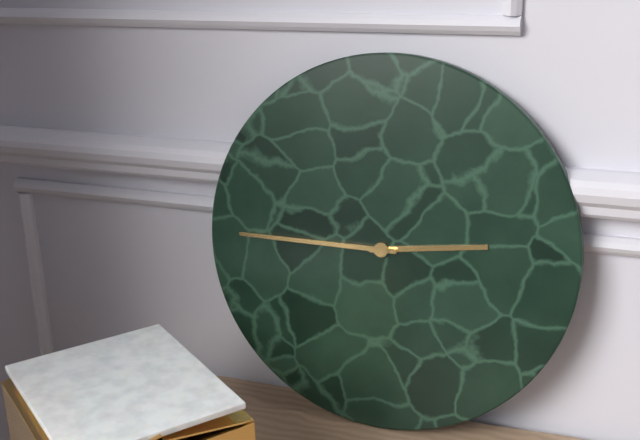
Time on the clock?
2:45
